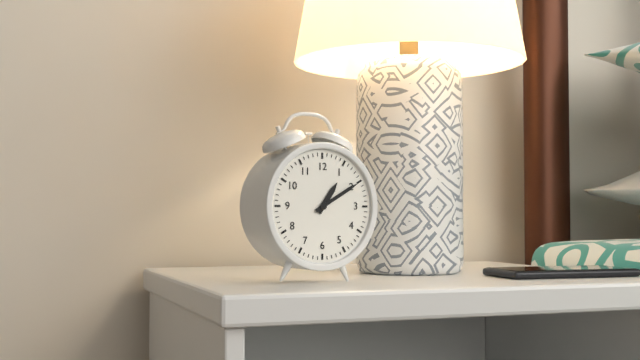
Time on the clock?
1:10
